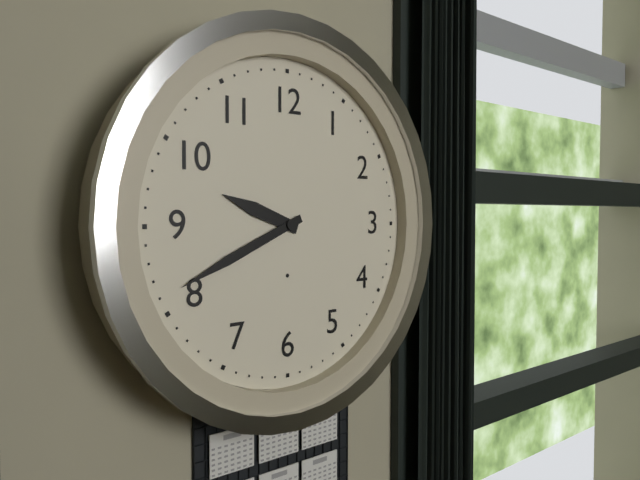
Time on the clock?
9:41
